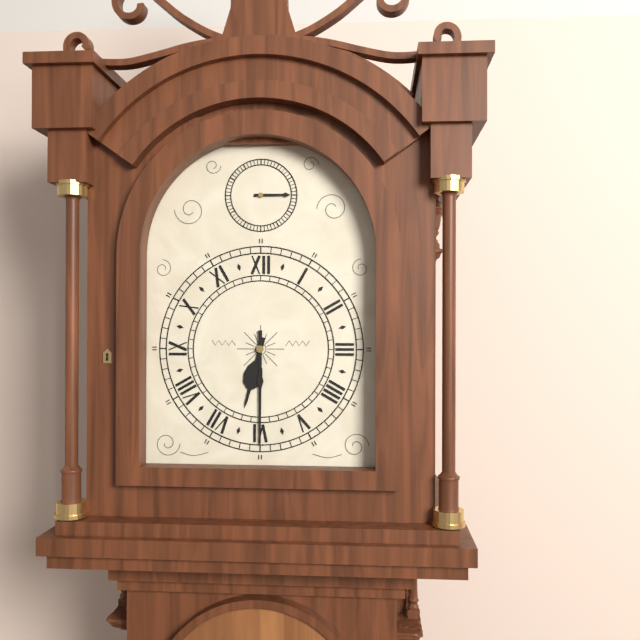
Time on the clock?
6:30
